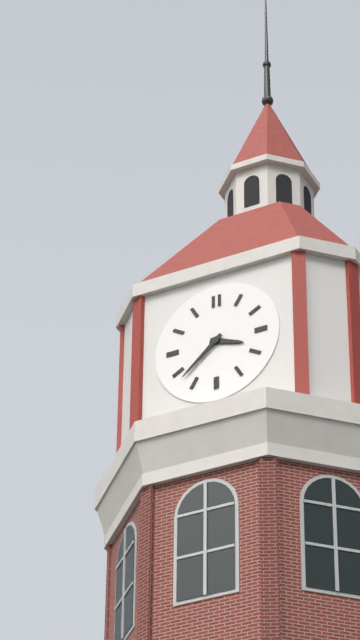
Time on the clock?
3:38
